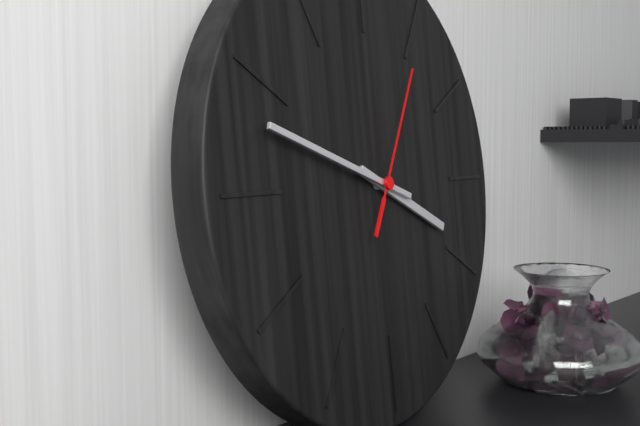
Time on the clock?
3:48:05
